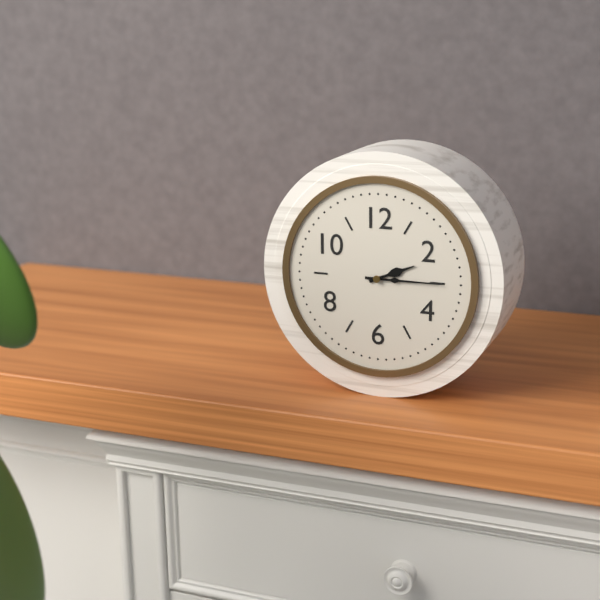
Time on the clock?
2:15
